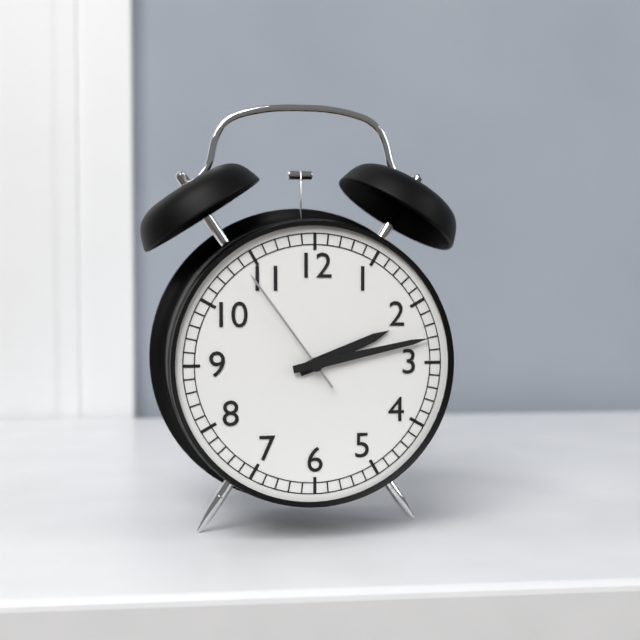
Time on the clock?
2:13:54
